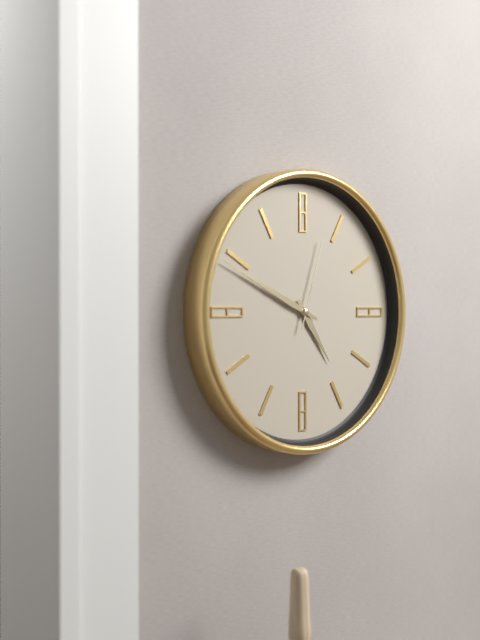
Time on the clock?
4:49:03
